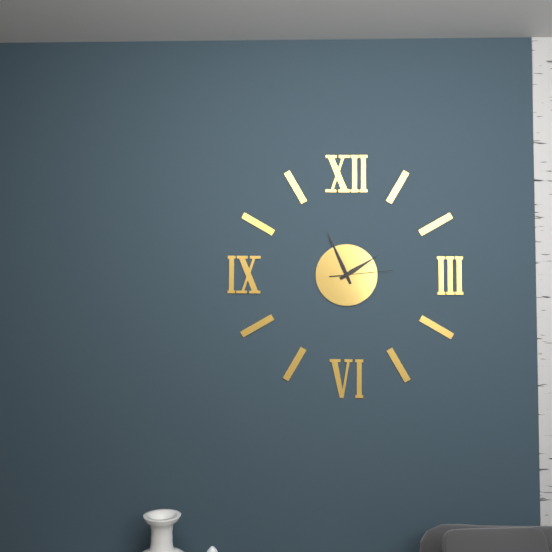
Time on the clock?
1:56:14
